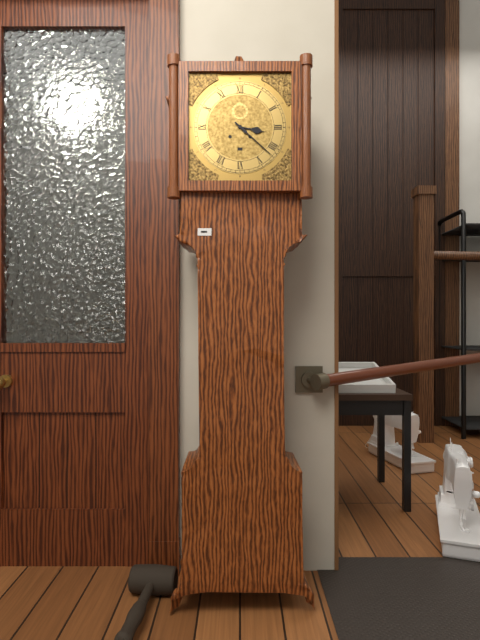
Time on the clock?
3:22
